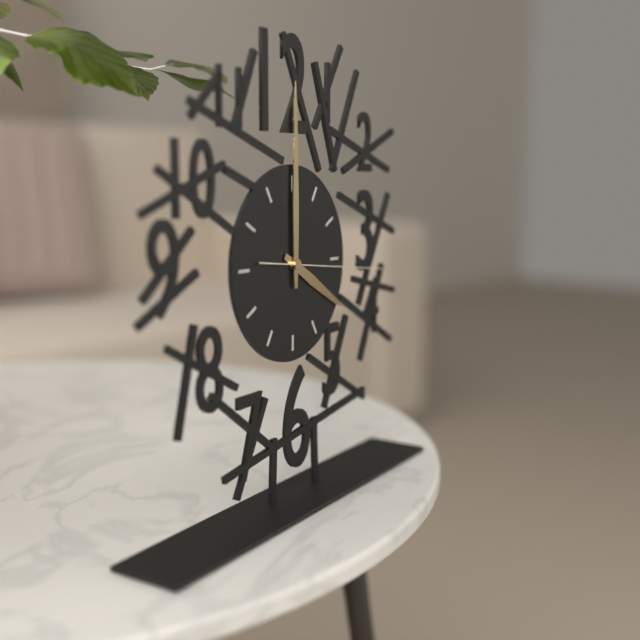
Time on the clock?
4:00:16
